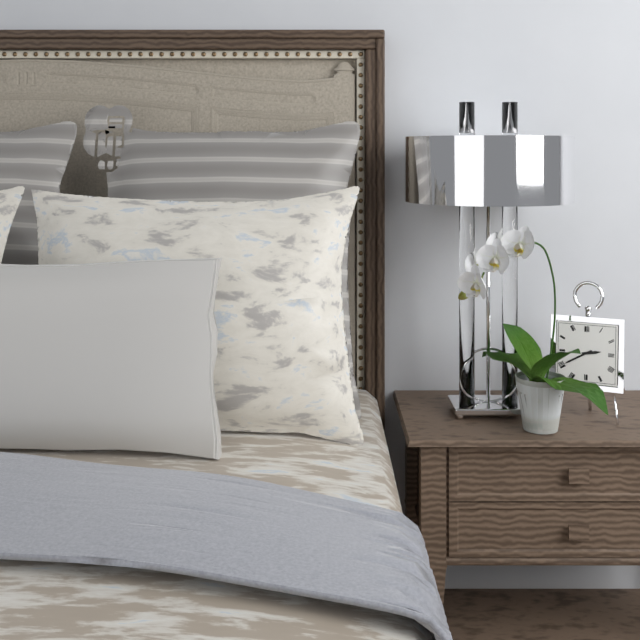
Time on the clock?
2:40
